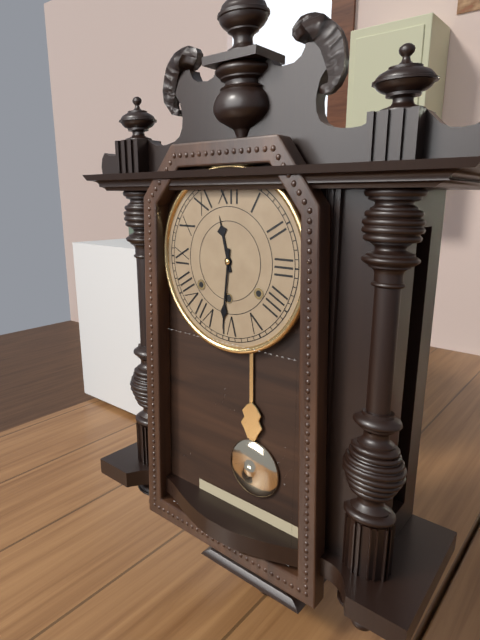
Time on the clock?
11:31
